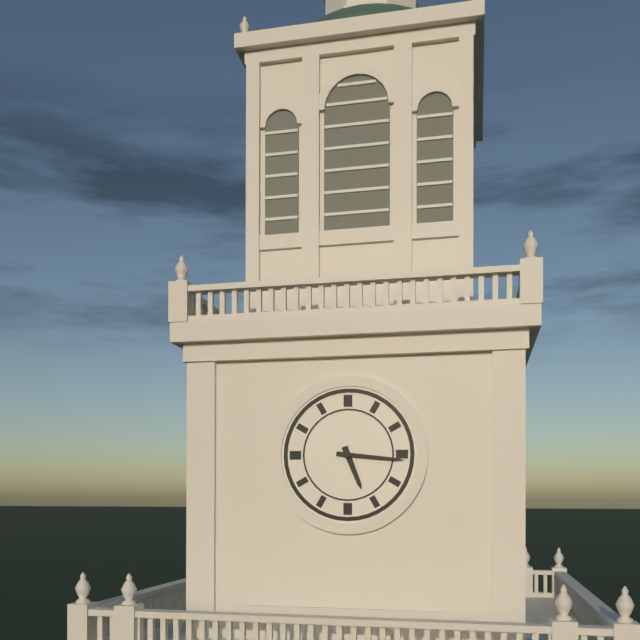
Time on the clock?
5:16
